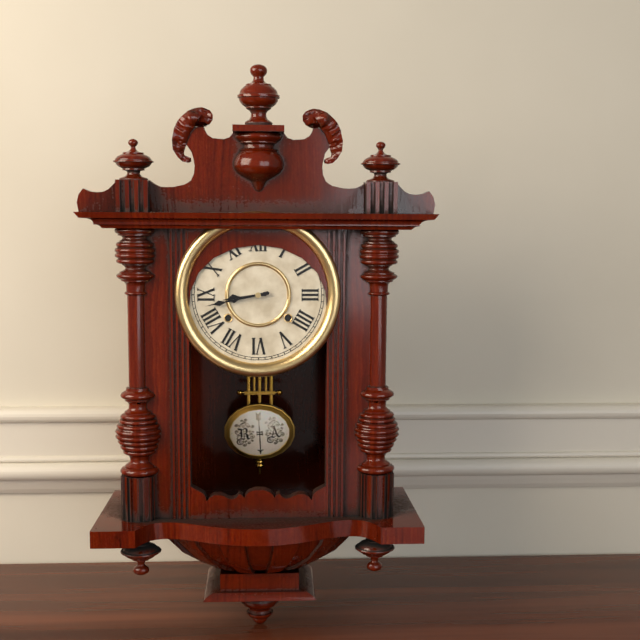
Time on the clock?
8:43
